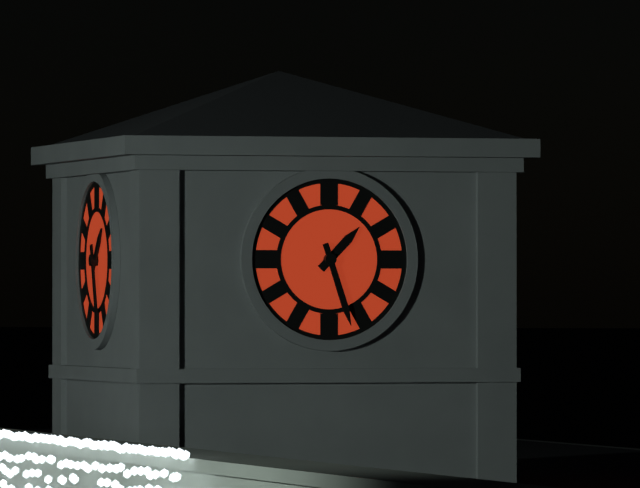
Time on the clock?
1:27
